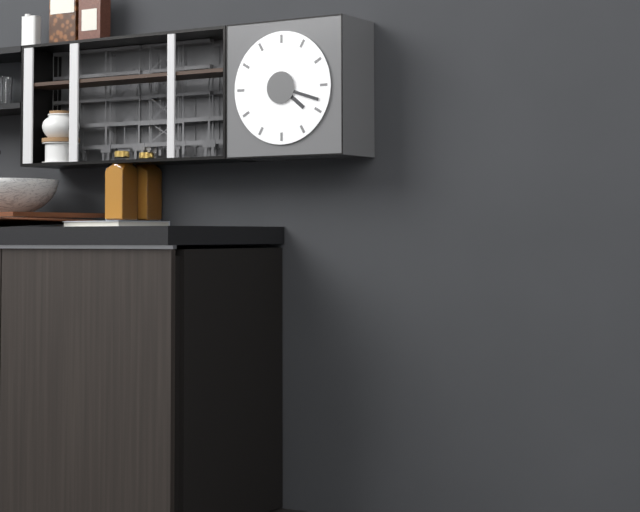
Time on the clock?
4:18
